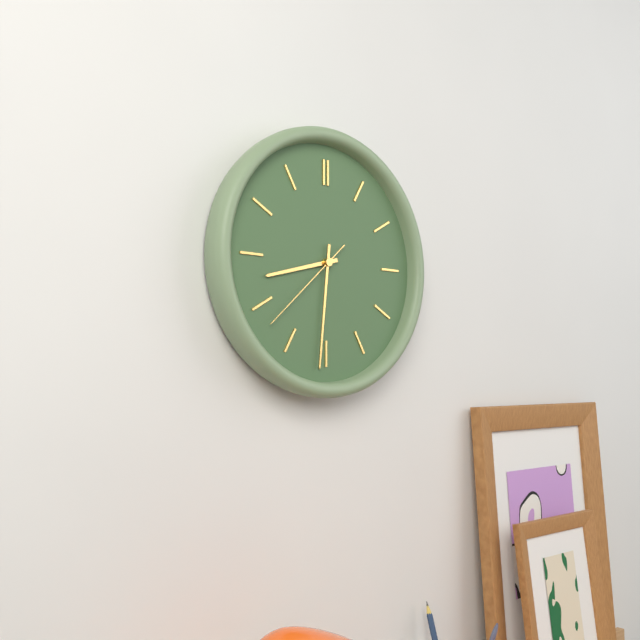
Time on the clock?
8:31:38
